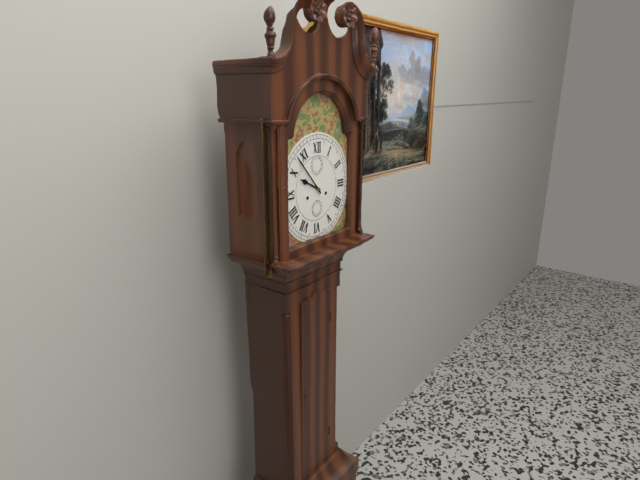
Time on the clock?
9:53
